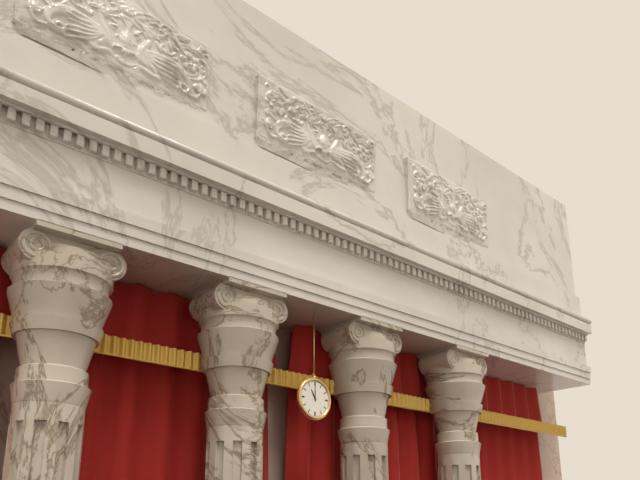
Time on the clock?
11:00
